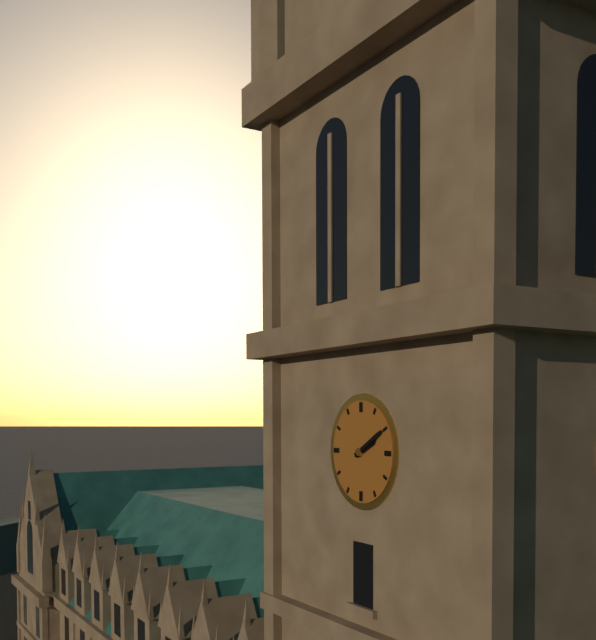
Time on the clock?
2:10
